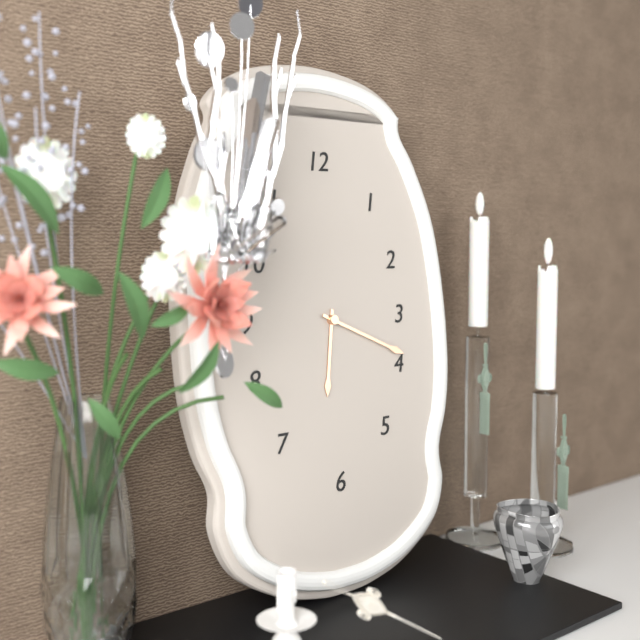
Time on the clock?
6:19
